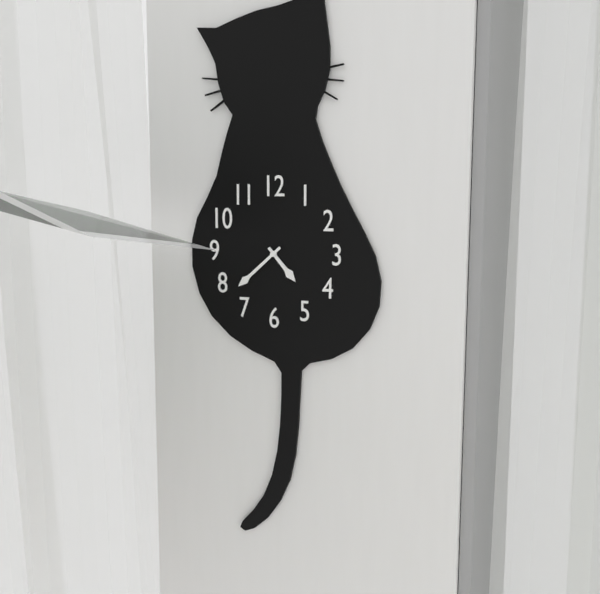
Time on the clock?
4:38
